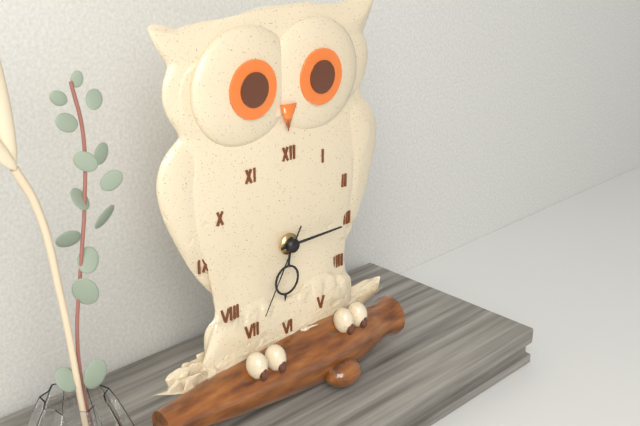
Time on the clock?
6:15:35
